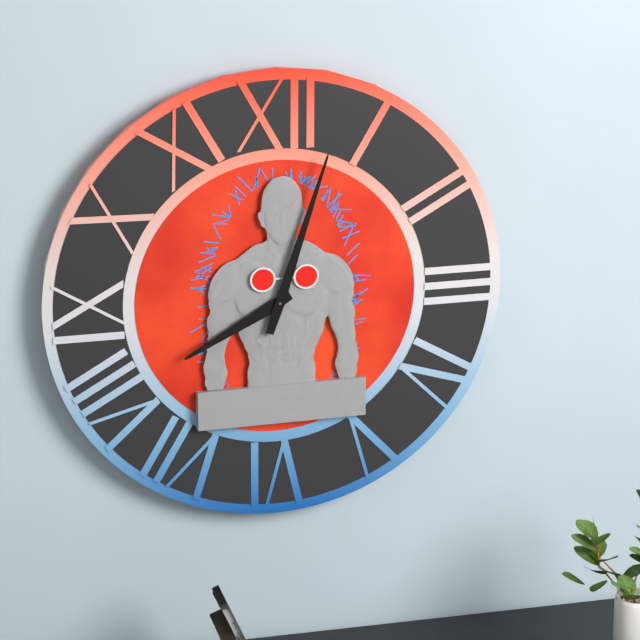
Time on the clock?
8:03
